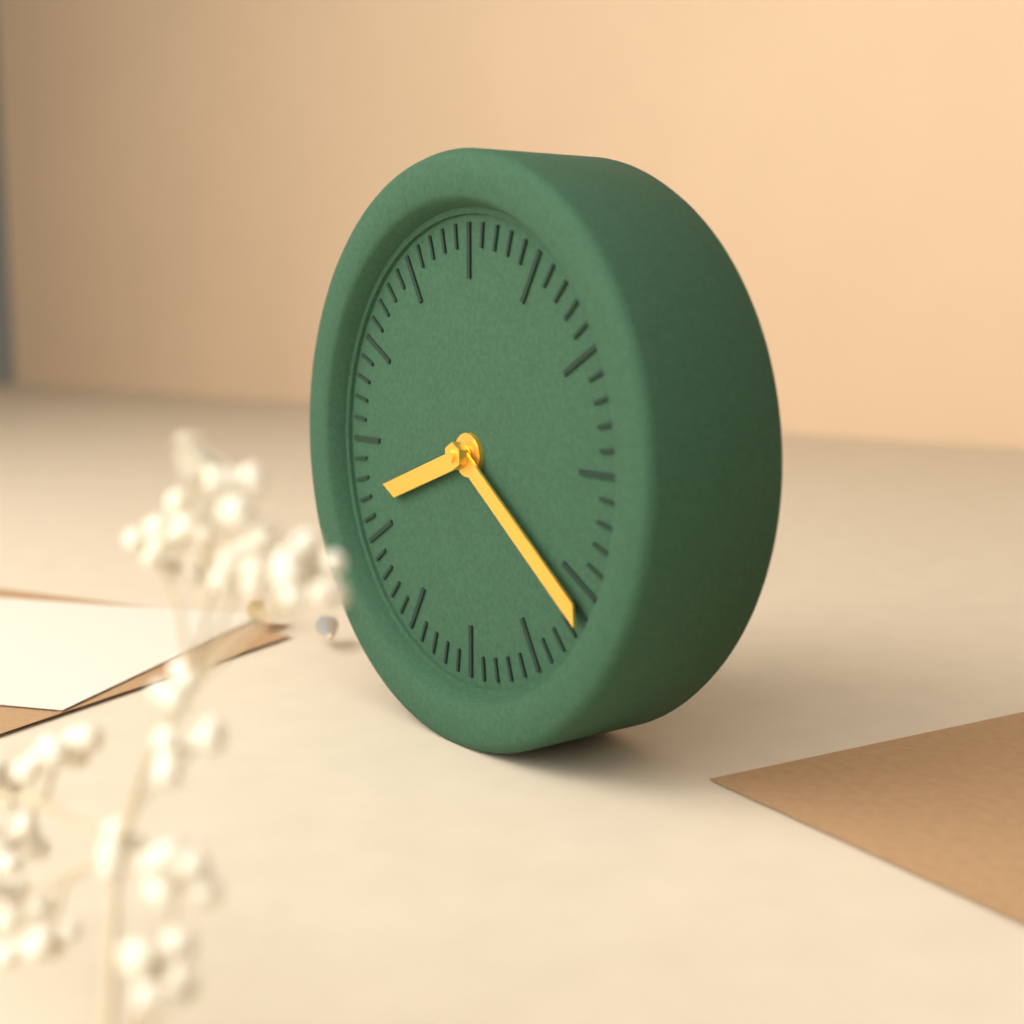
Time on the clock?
8:21
